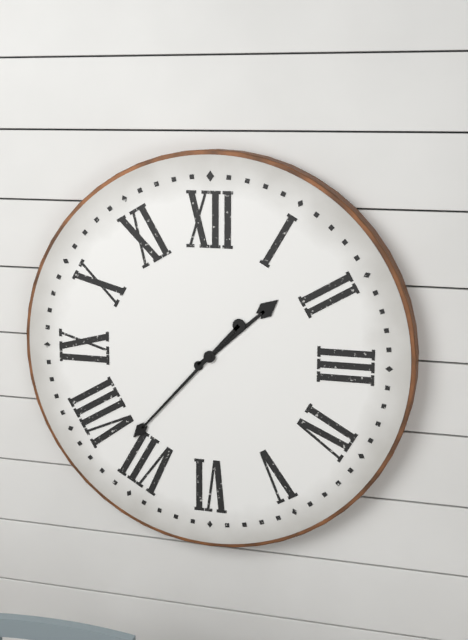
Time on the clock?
1:37
